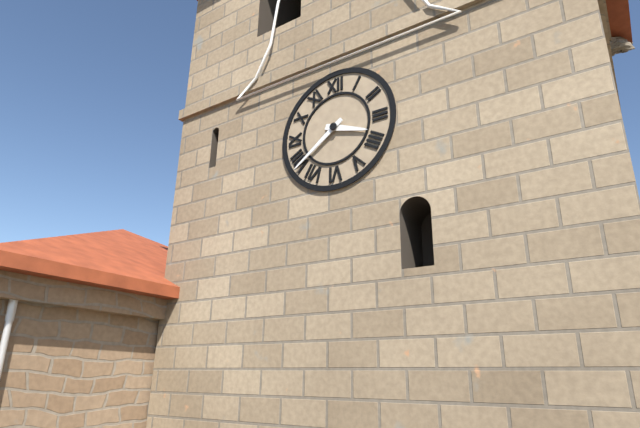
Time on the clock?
3:39
